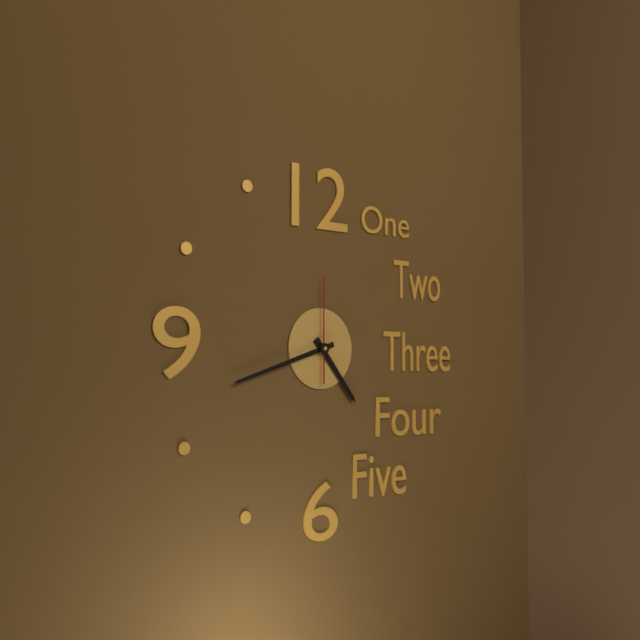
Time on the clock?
4:42:00
